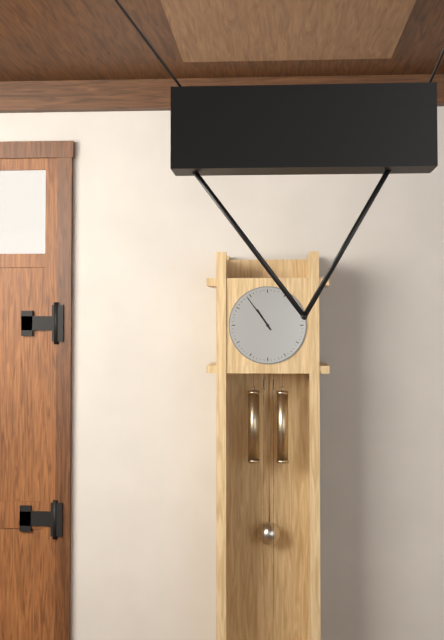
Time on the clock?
10:54
